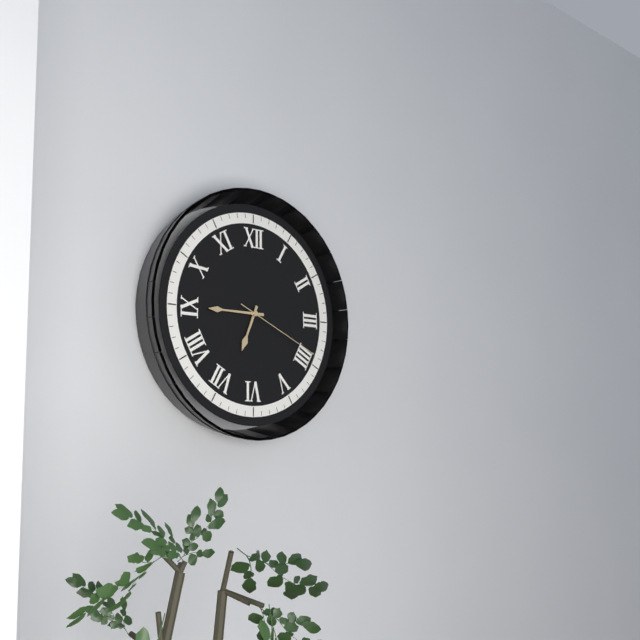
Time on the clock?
6:45:19
